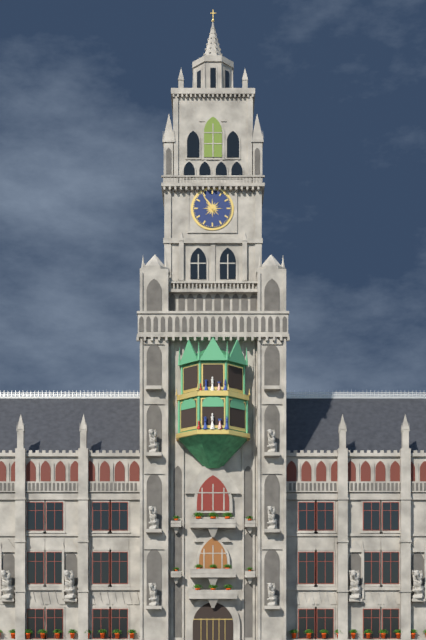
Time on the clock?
10:54
